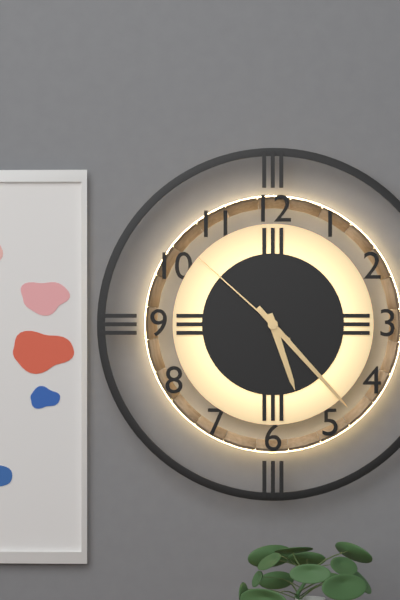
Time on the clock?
5:23:52
